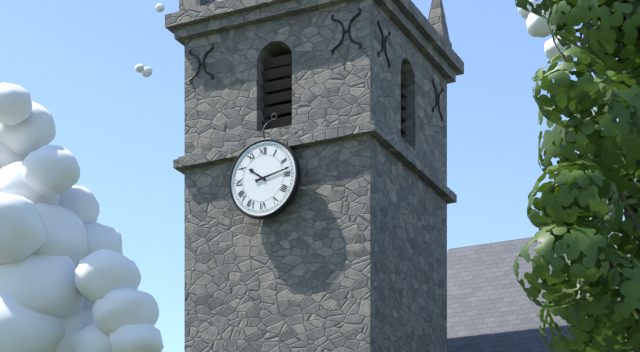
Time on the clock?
10:13
